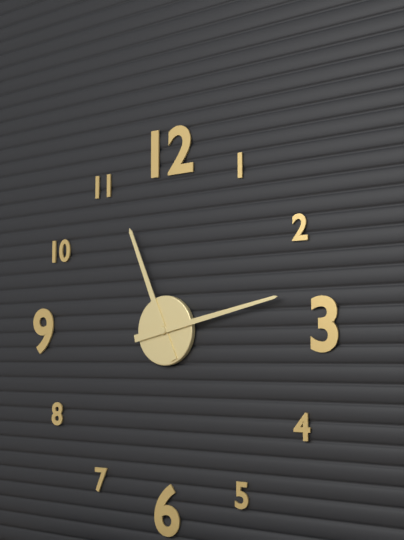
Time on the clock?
11:13
